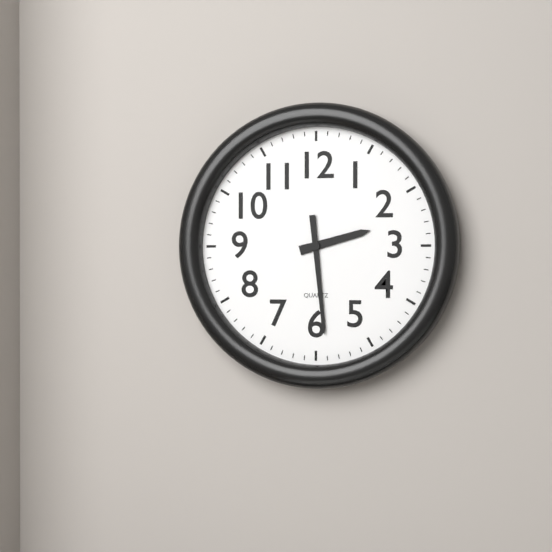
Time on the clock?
2:29
